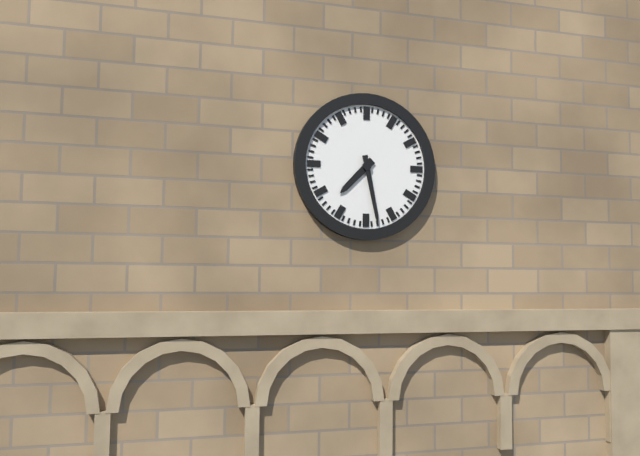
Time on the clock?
7:28
